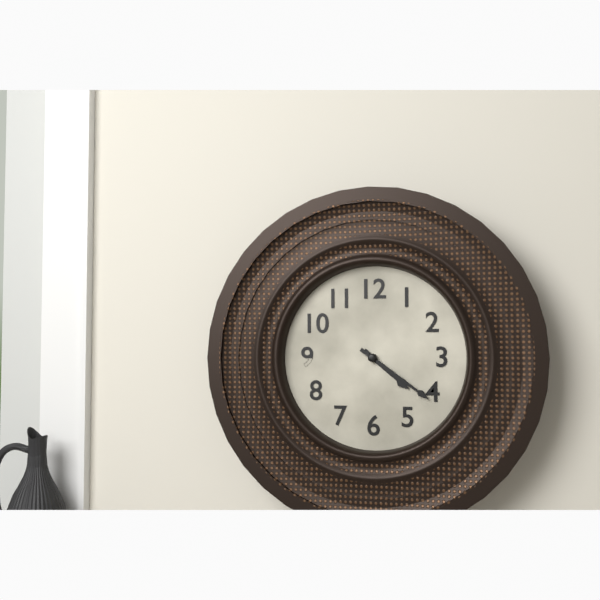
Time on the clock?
4:21
